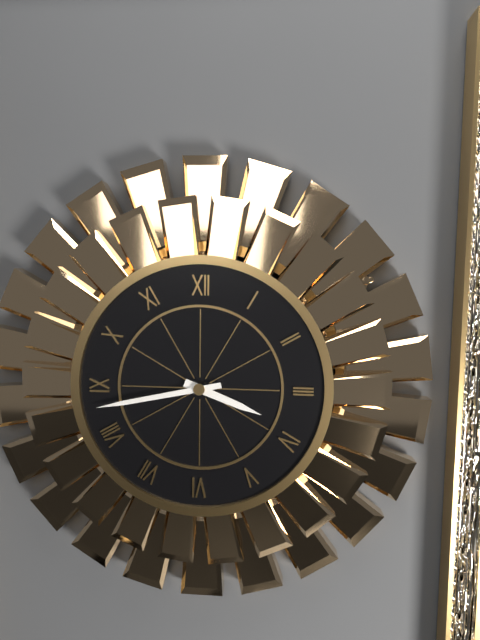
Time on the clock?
3:43
